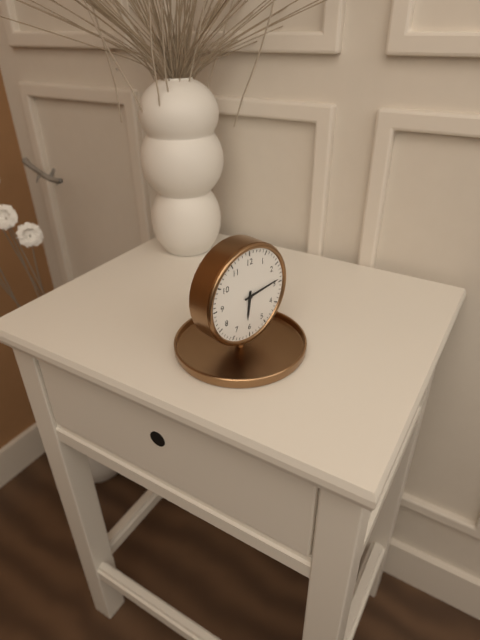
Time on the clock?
6:14
